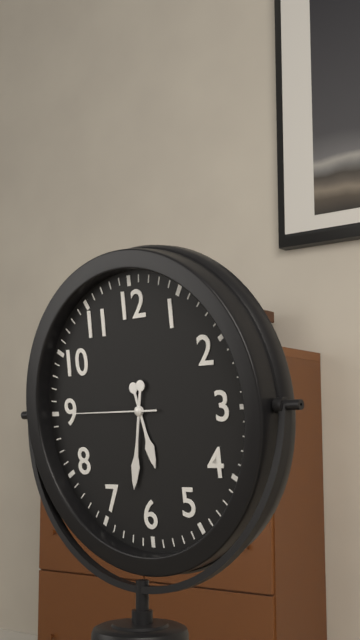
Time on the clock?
5:32:45
